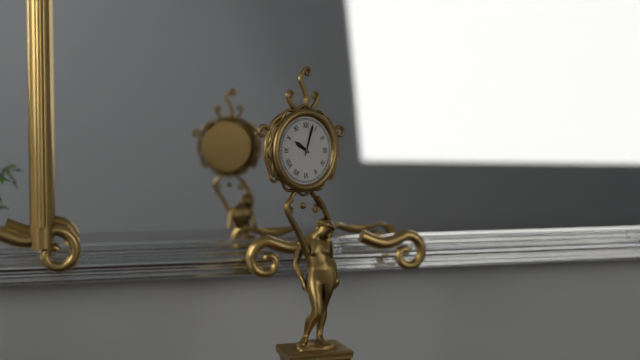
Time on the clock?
10:03
